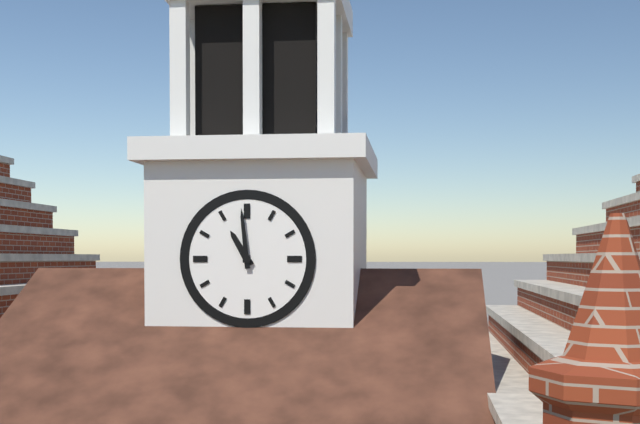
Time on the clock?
10:59
